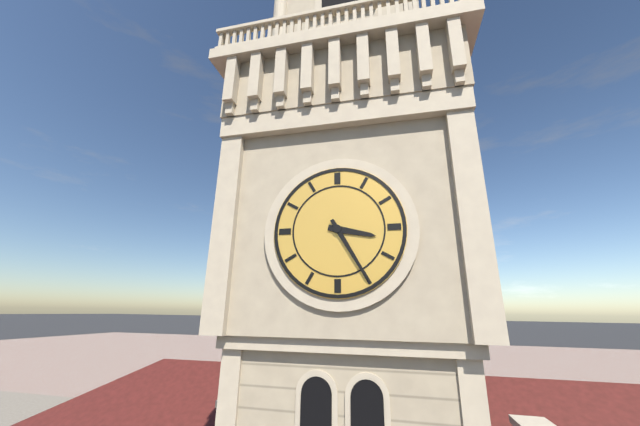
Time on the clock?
3:25
